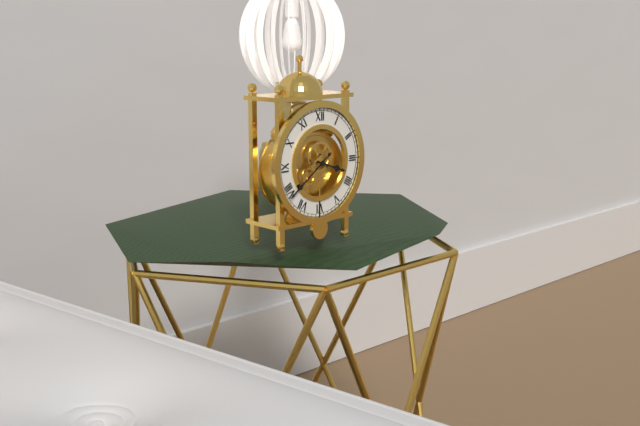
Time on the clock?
3:39
